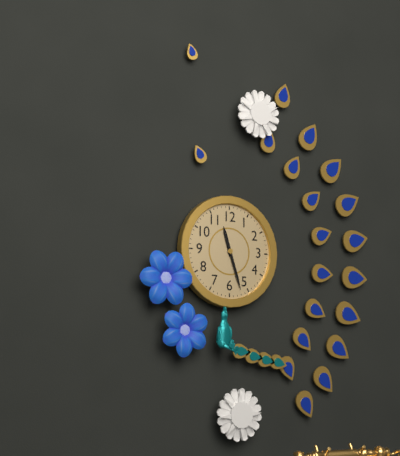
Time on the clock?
11:27
